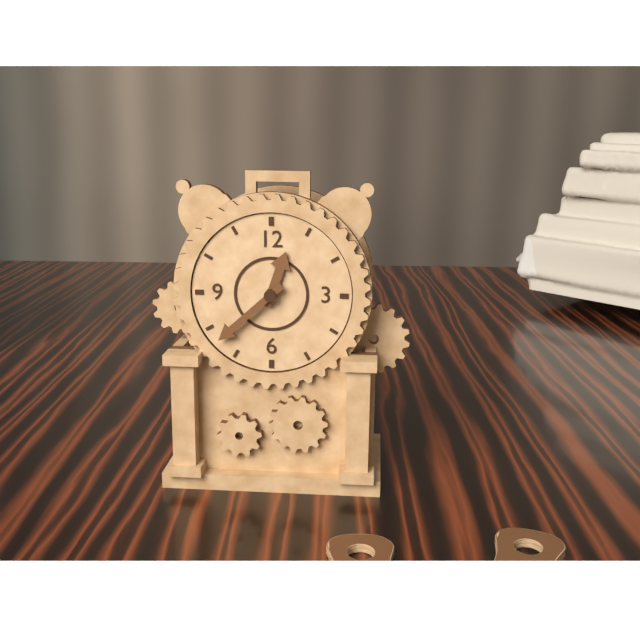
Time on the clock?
12:38
